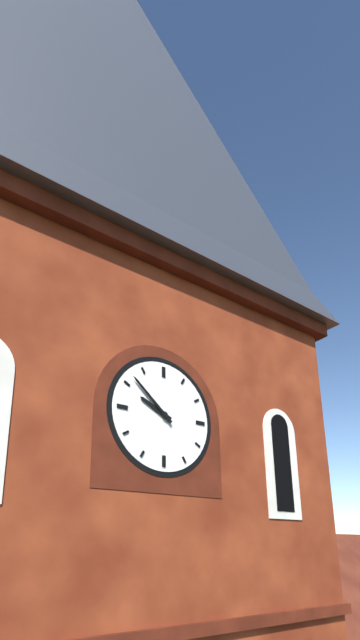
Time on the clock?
9:52
